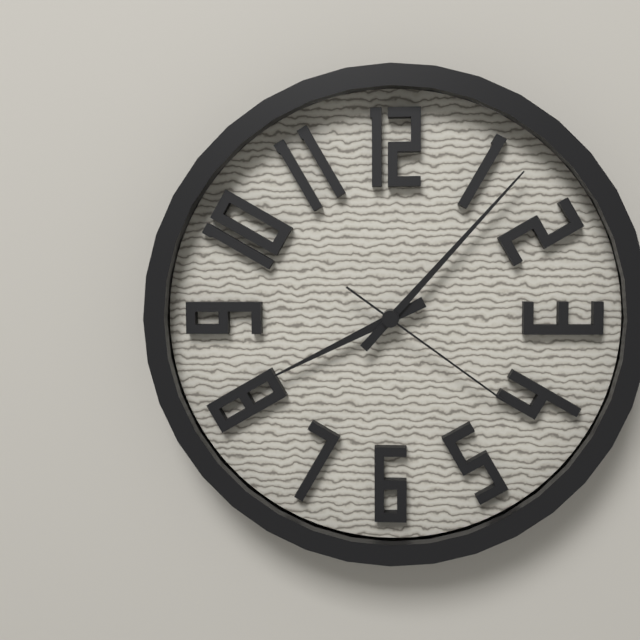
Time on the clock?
8:07:21
